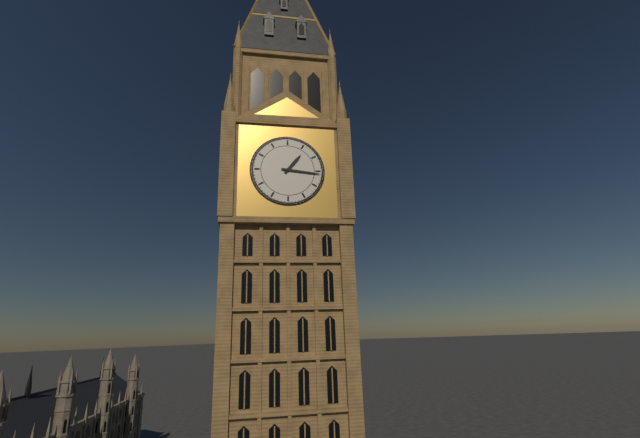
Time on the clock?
1:16
